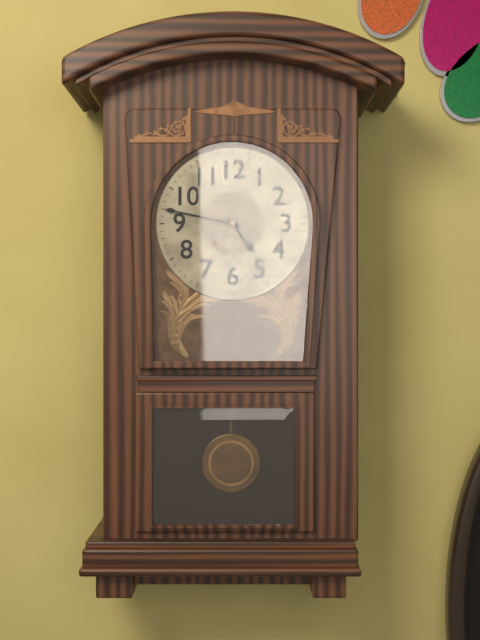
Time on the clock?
4:47
